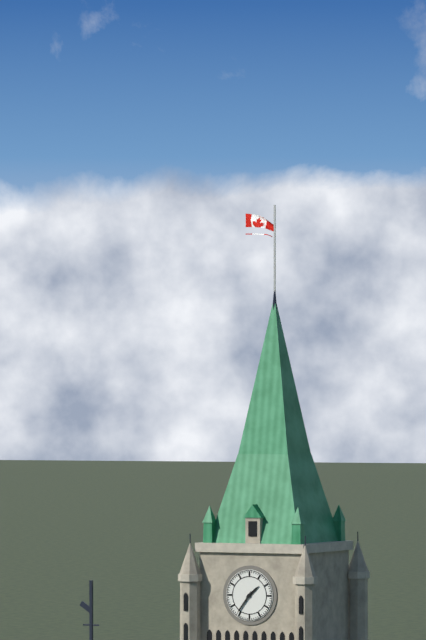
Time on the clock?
1:36
